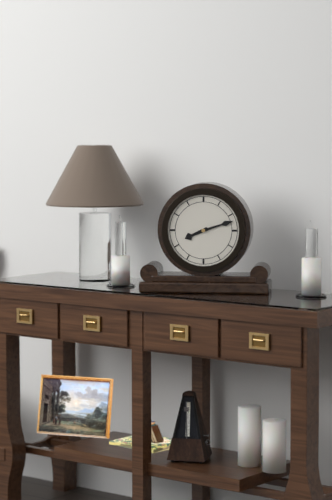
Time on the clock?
8:12
